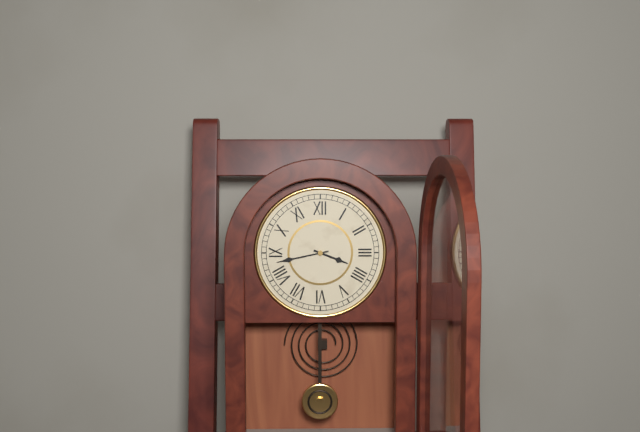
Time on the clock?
3:43
